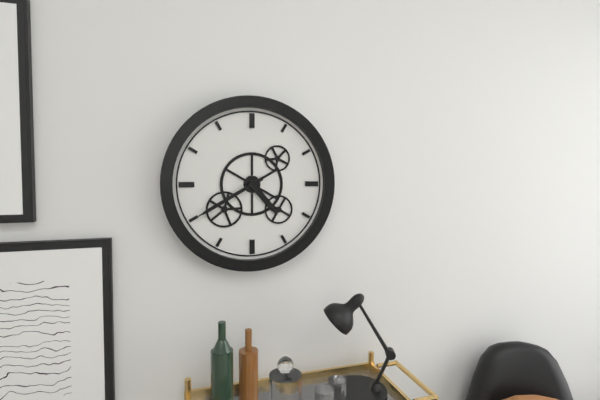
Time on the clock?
4:40
